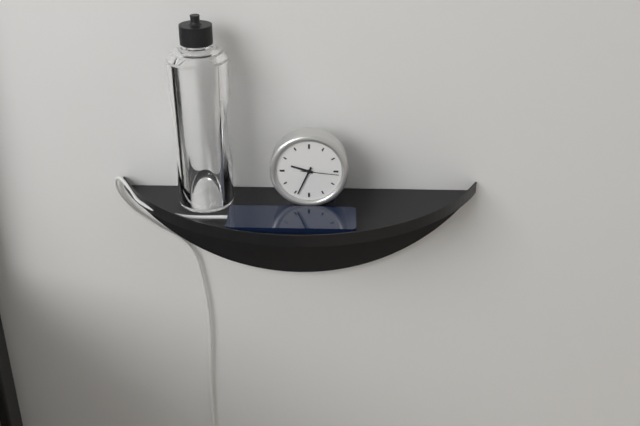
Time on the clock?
9:34
